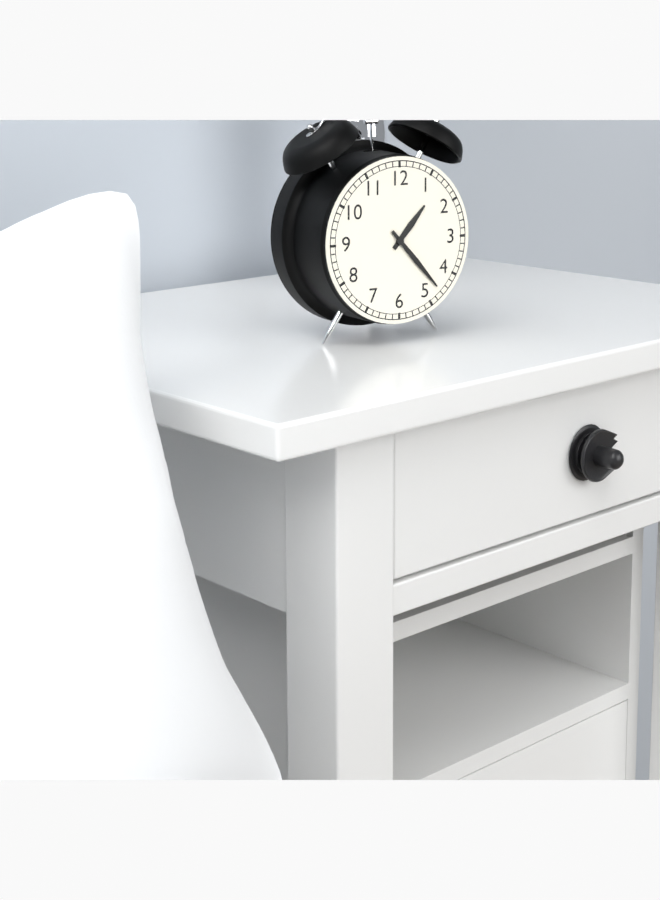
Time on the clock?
1:23
